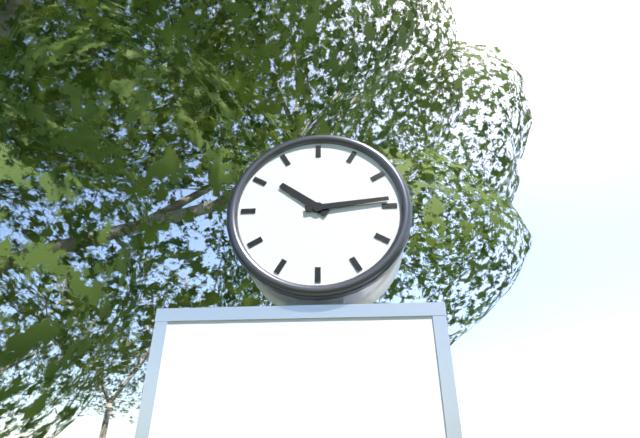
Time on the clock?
10:14
